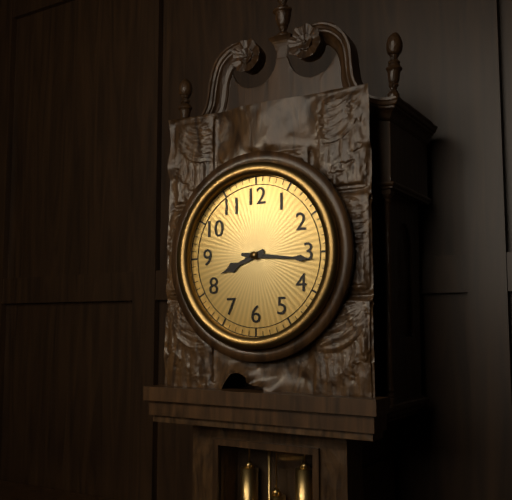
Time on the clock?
8:16
